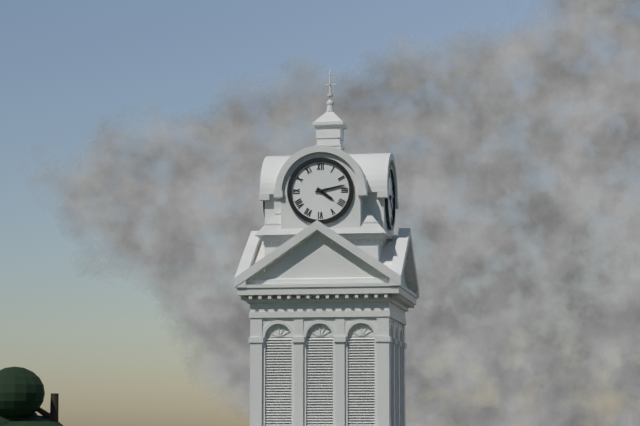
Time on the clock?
4:13
